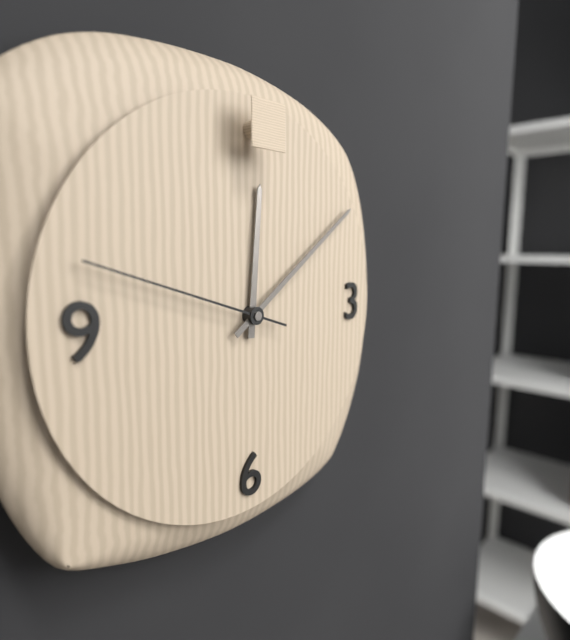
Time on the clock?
12:09:48
